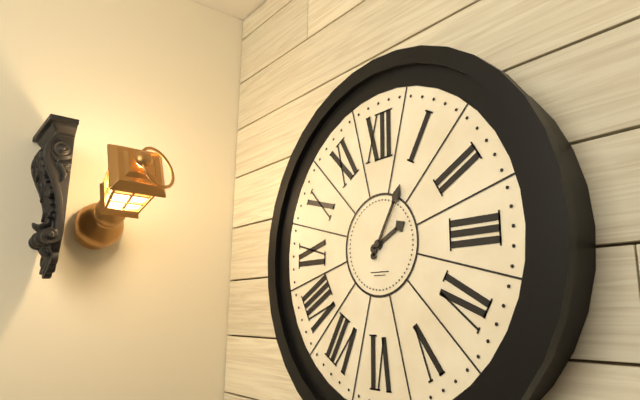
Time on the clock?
2:05
